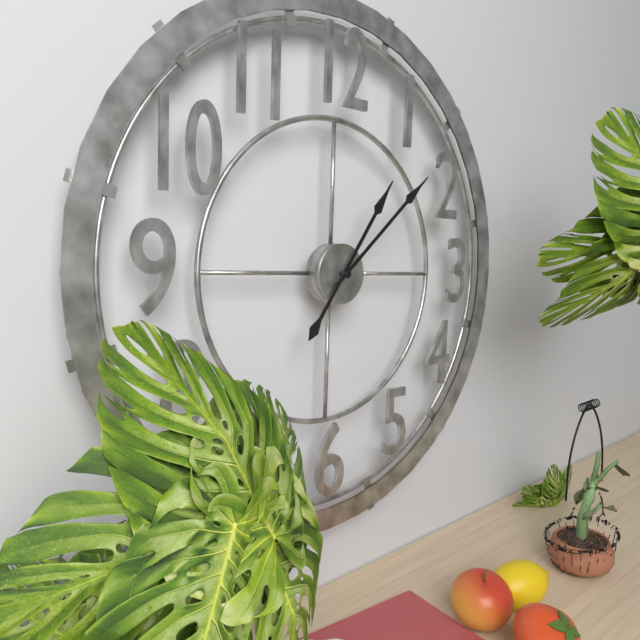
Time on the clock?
1:08
